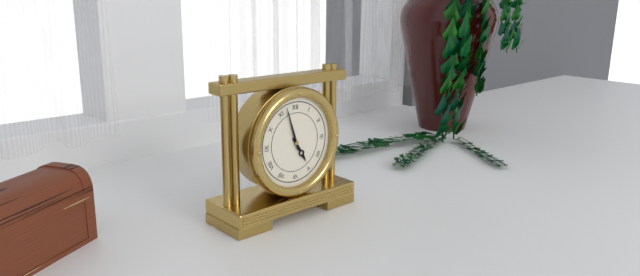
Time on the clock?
4:57
